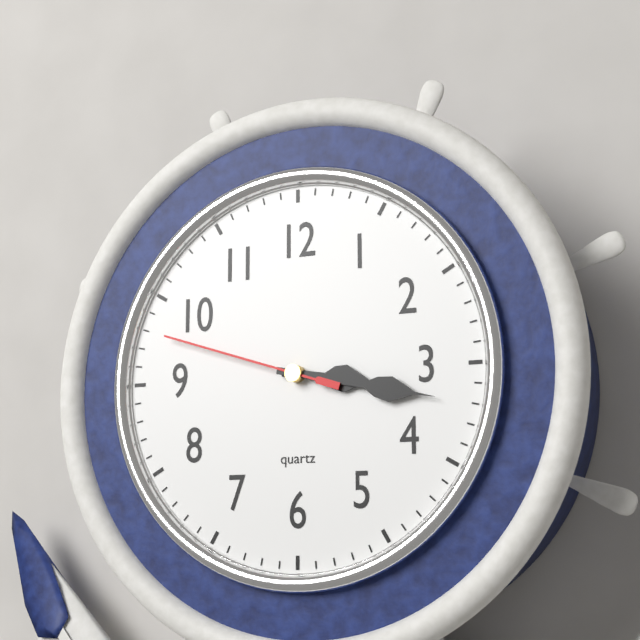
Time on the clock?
3:17:48
